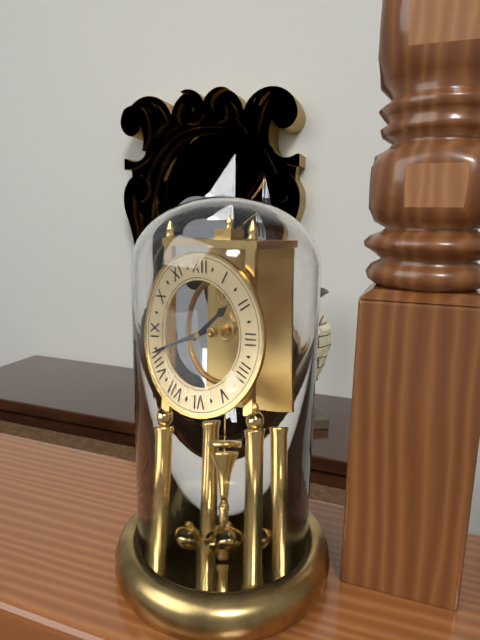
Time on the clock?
1:42
